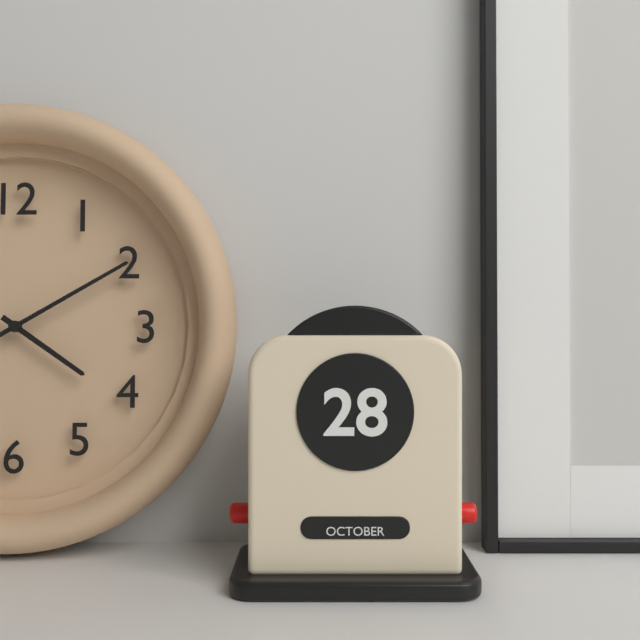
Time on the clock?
4:10
